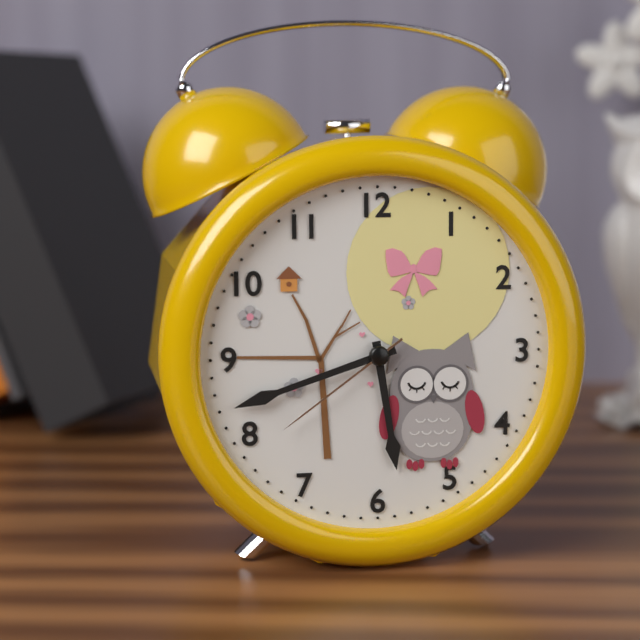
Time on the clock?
5:42:39
